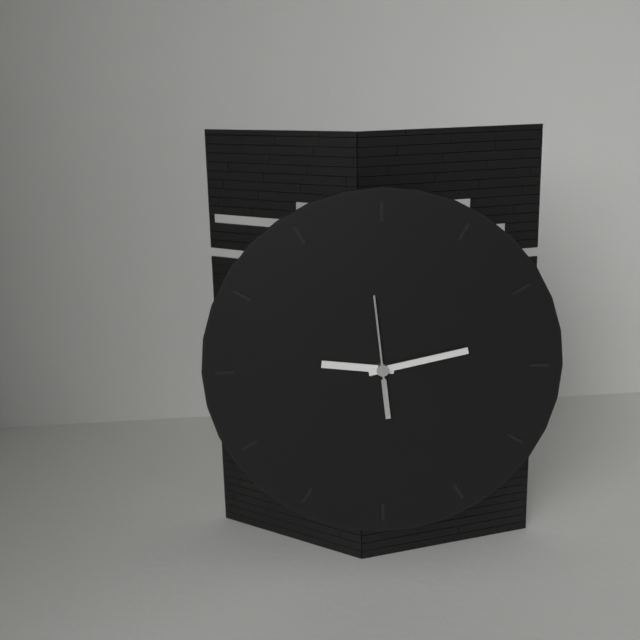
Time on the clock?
9:13:59
